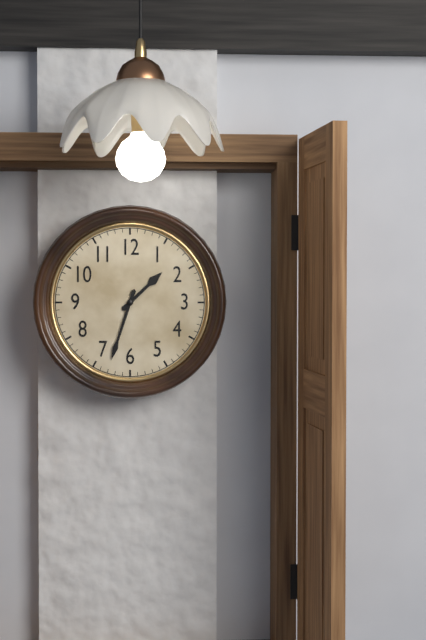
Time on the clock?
1:33
